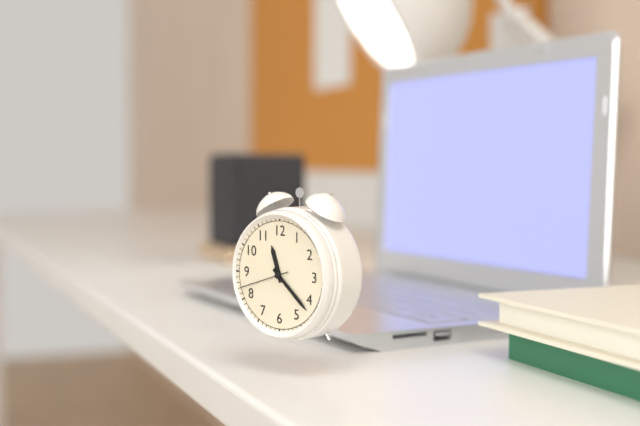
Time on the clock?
11:22:42
